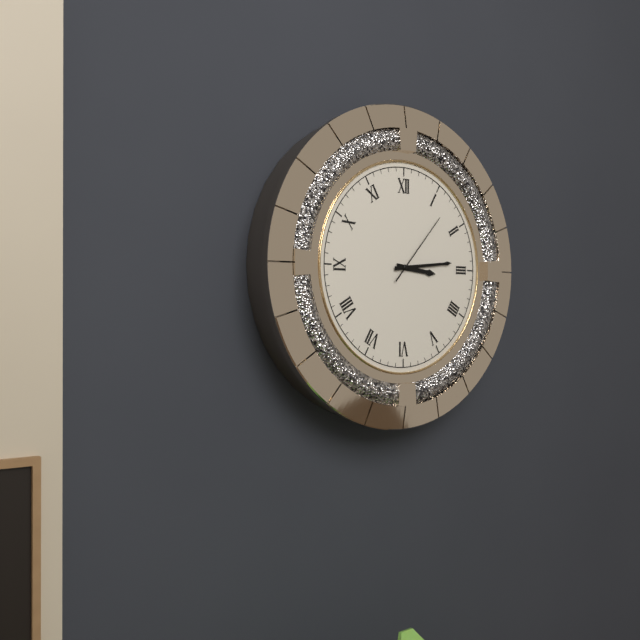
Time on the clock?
3:14:07
